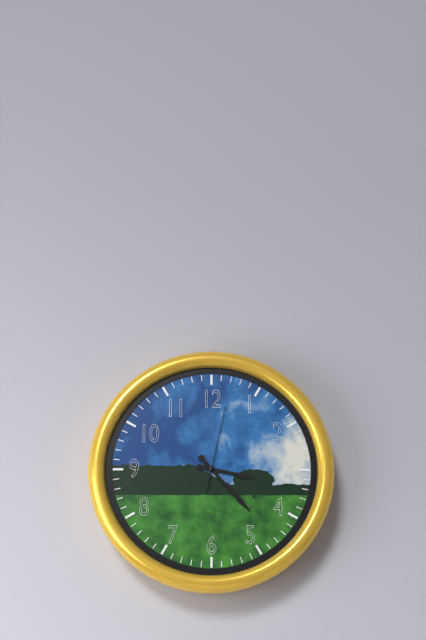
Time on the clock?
3:23:02
